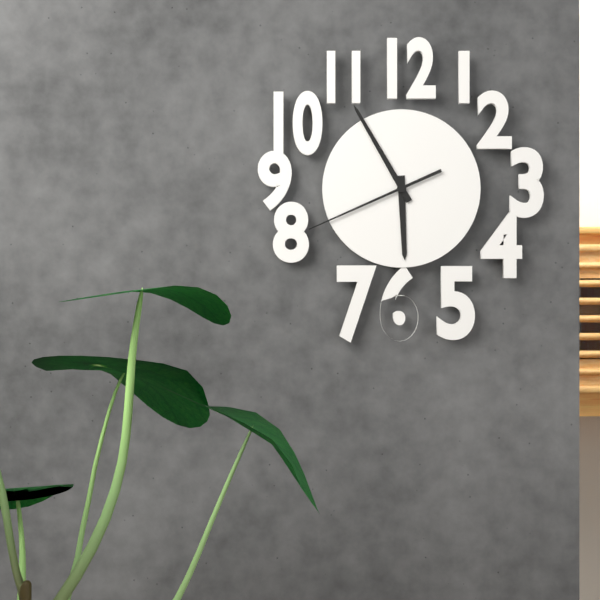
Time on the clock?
5:55:41
